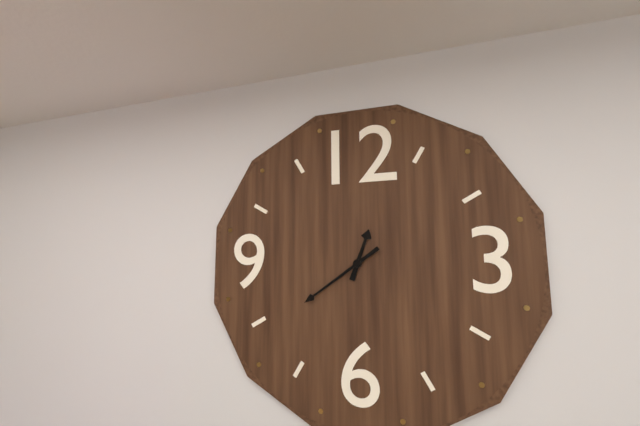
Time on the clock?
12:39
